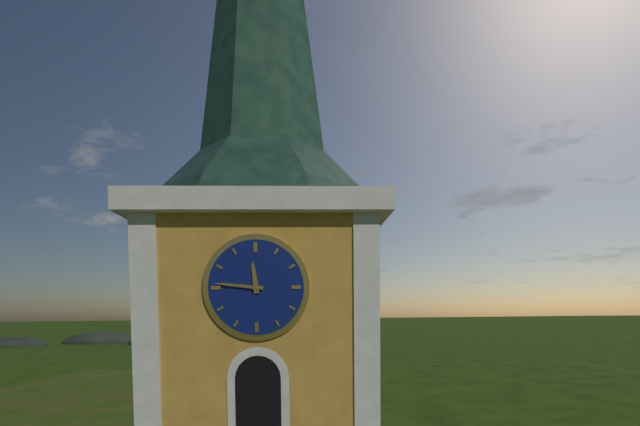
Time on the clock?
11:46
